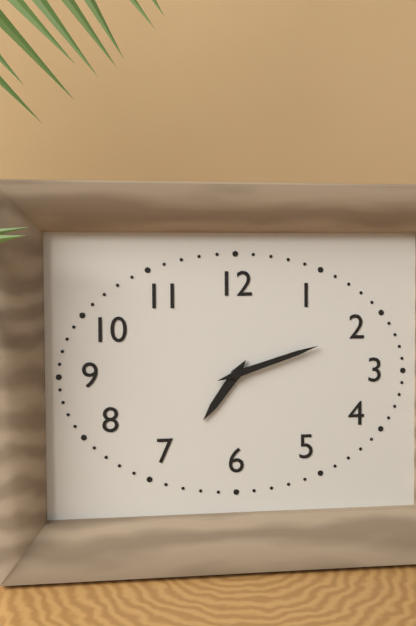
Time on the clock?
7:12
